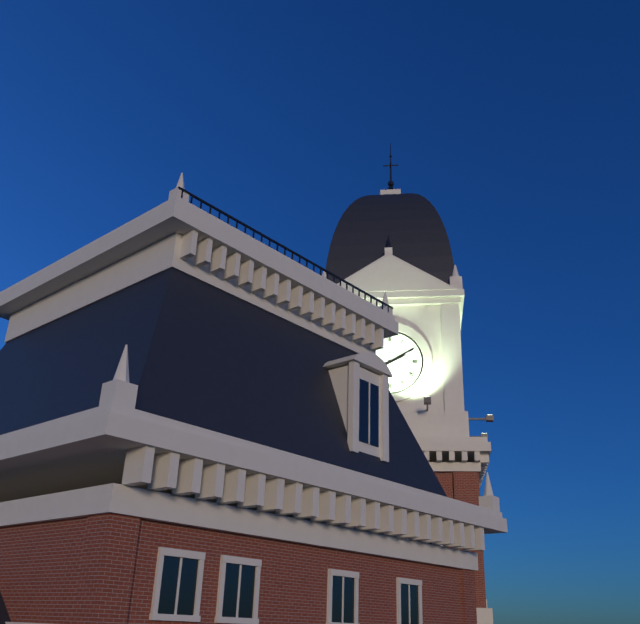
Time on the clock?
2:10
